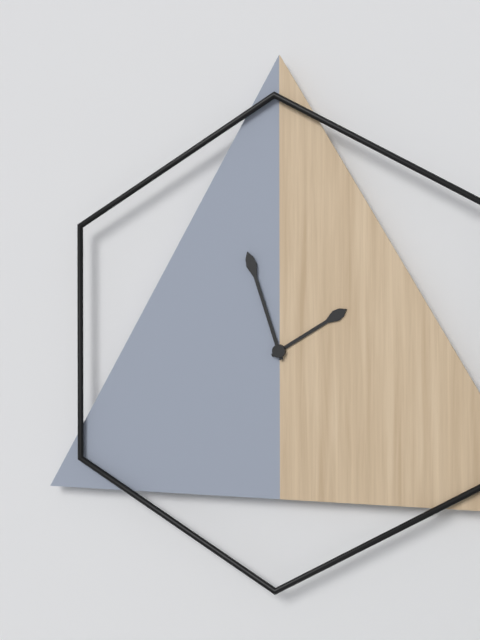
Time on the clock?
1:57
